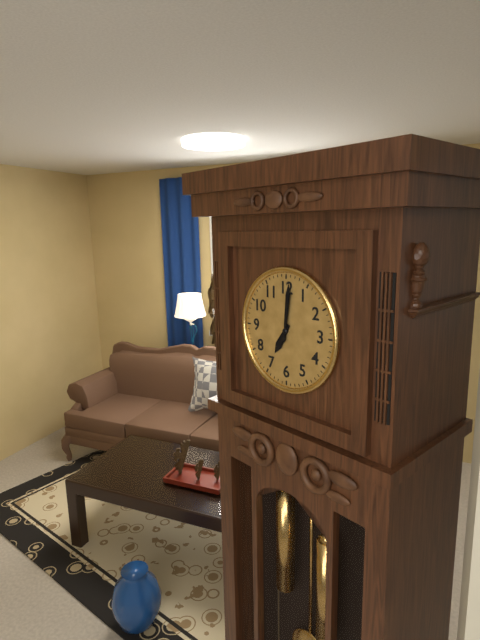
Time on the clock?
7:01
